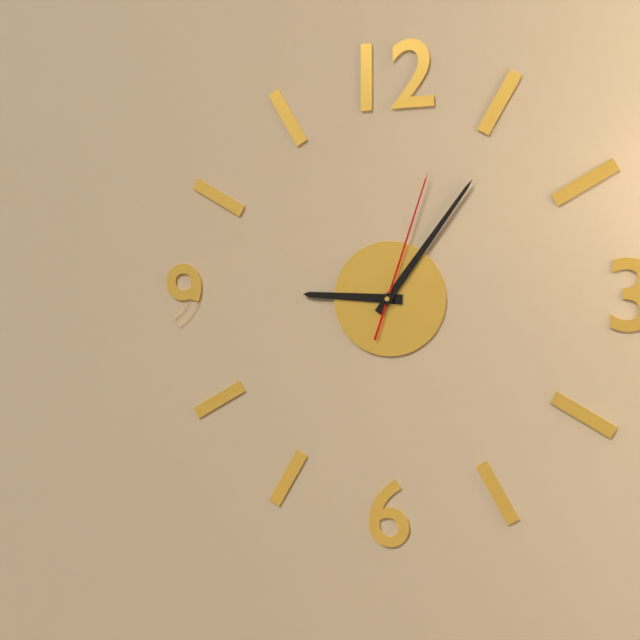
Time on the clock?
9:06:03
